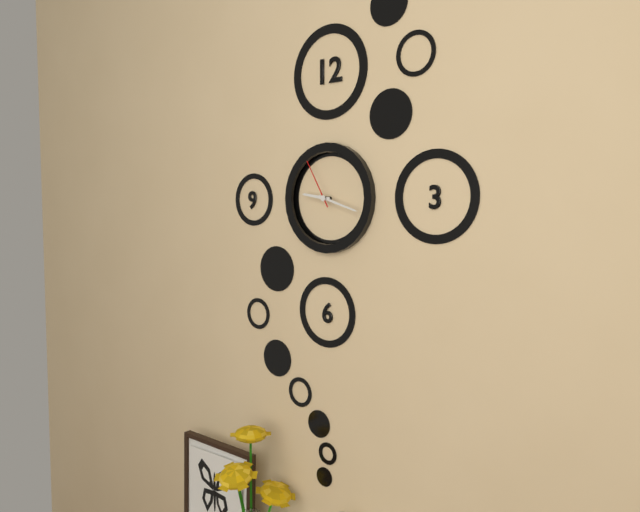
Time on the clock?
9:18:55
